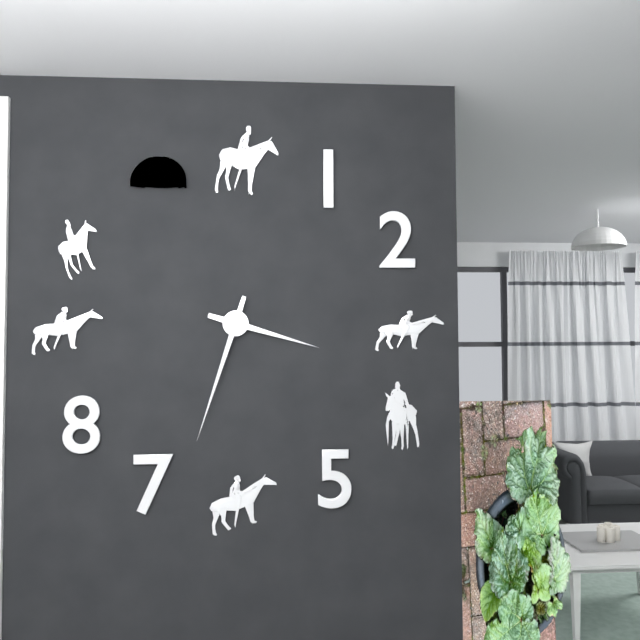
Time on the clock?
3:33
